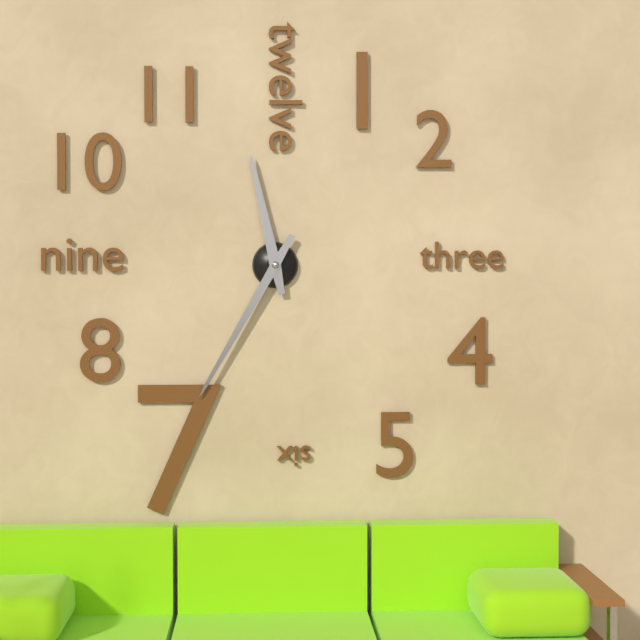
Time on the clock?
11:35
